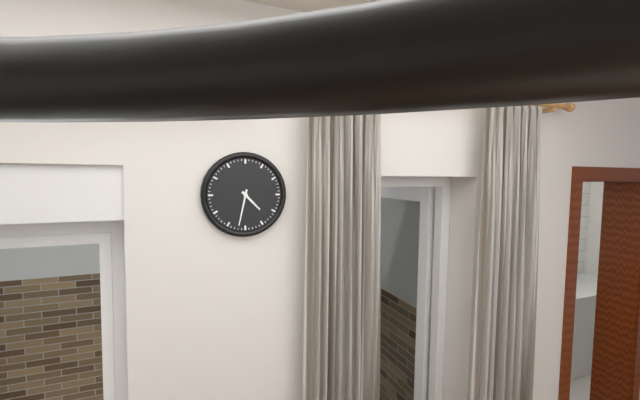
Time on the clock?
4:32
